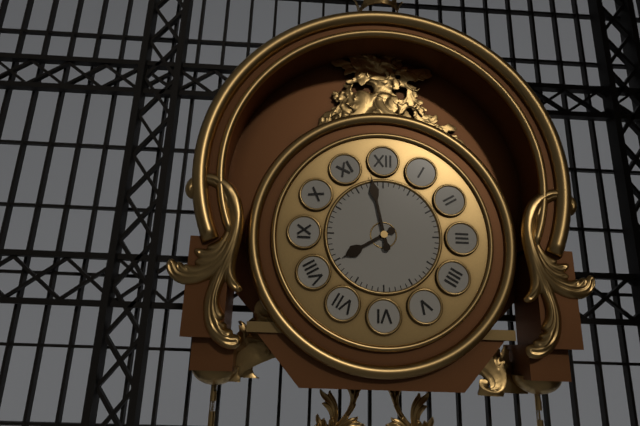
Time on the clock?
7:58
